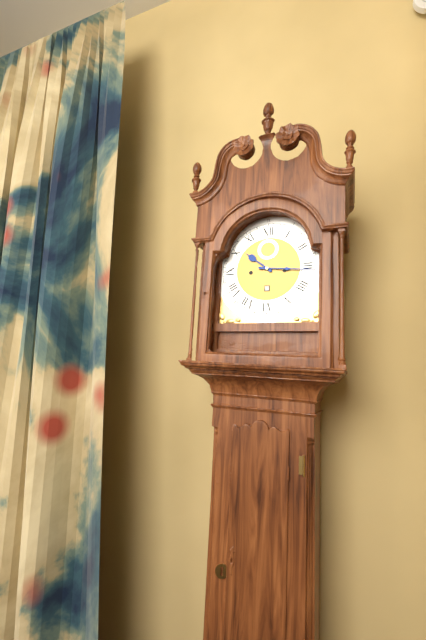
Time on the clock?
10:16
